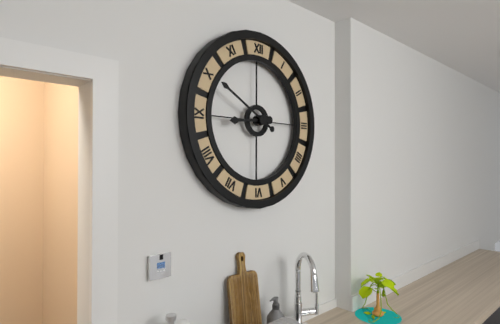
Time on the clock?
8:50
